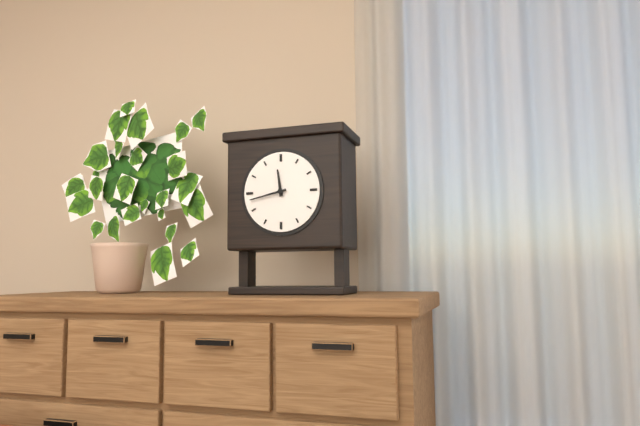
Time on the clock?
11:43
